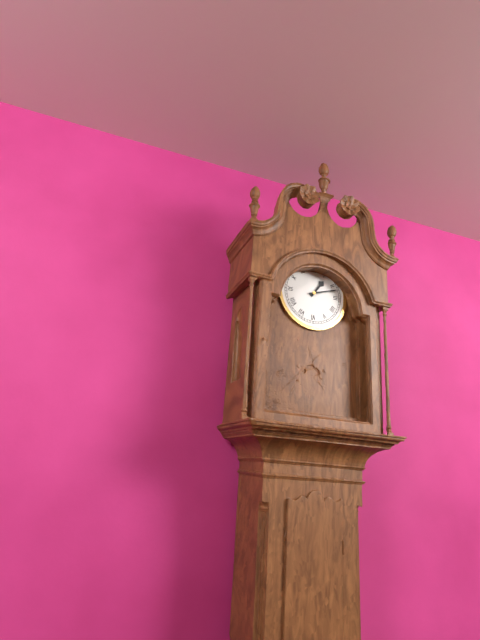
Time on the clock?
1:12
